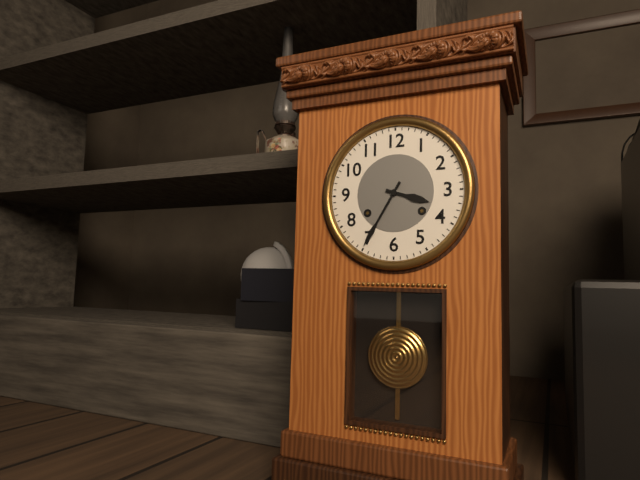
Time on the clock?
3:35
